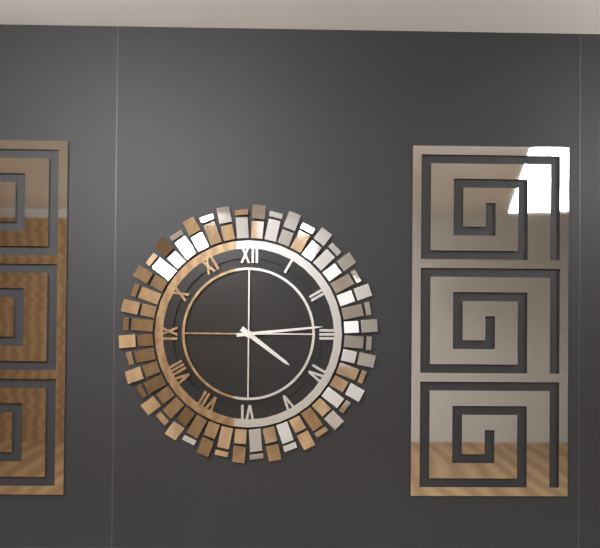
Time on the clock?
4:14
